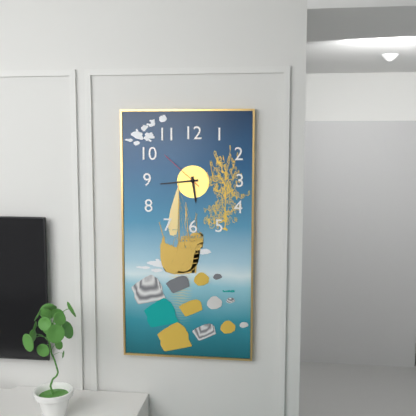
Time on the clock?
5:44
